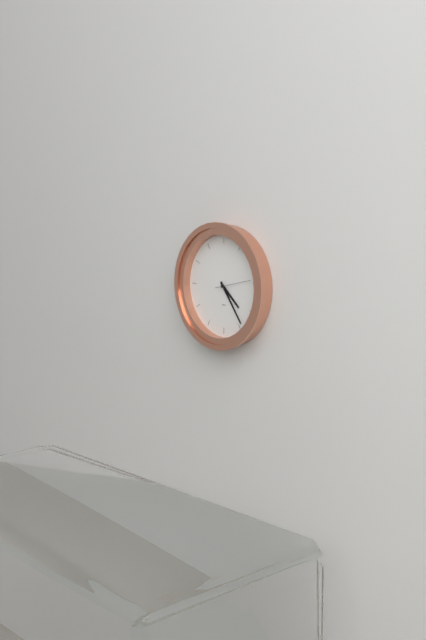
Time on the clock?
4:24
